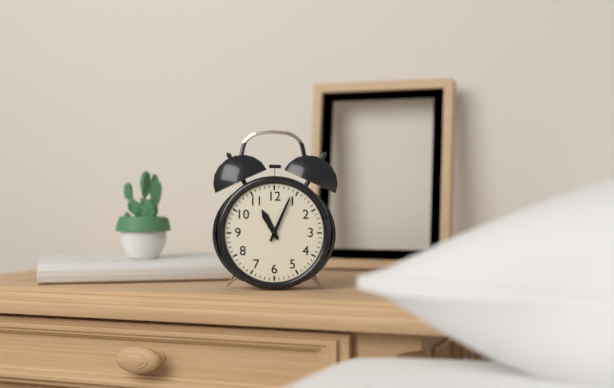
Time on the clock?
11:04
